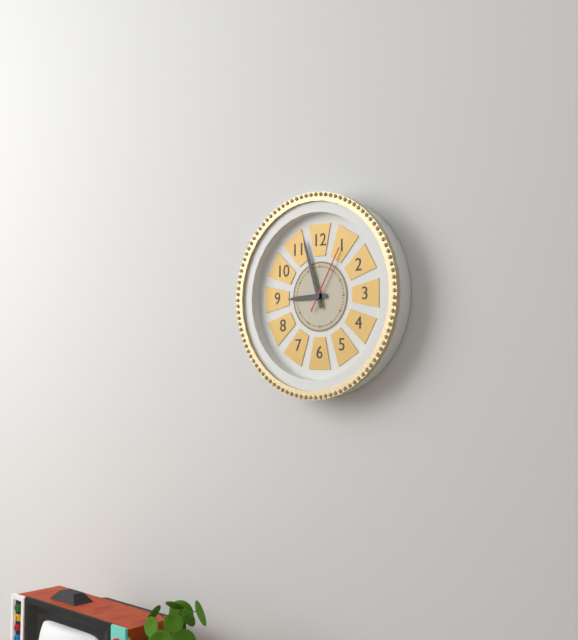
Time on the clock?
8:57:05
